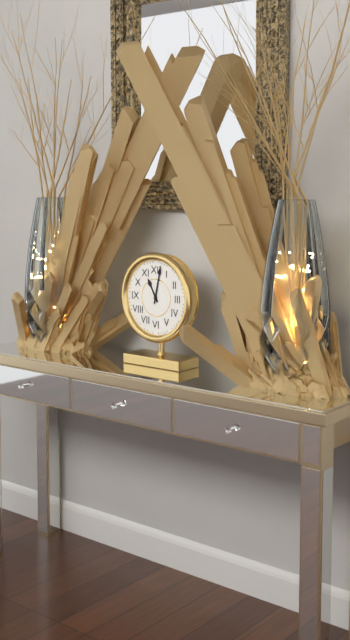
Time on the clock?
11:02
